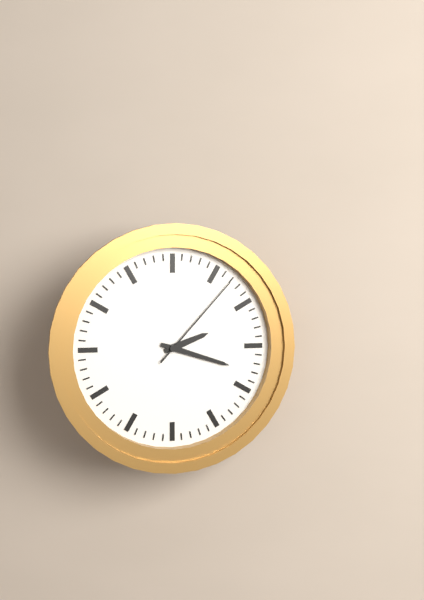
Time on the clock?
2:18:07
